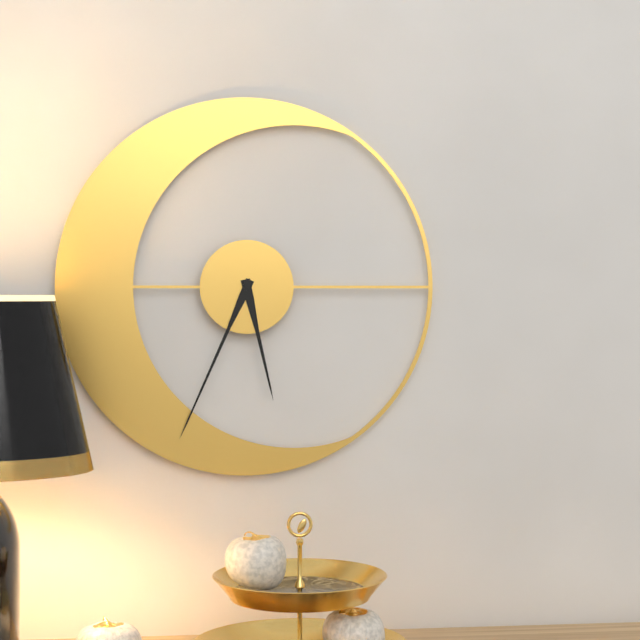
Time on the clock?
5:34
